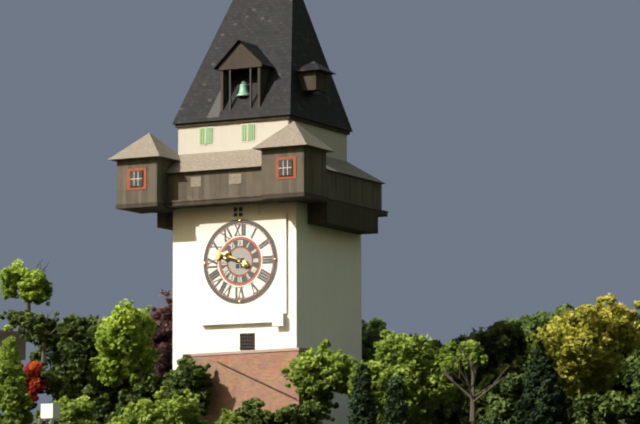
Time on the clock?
9:48
